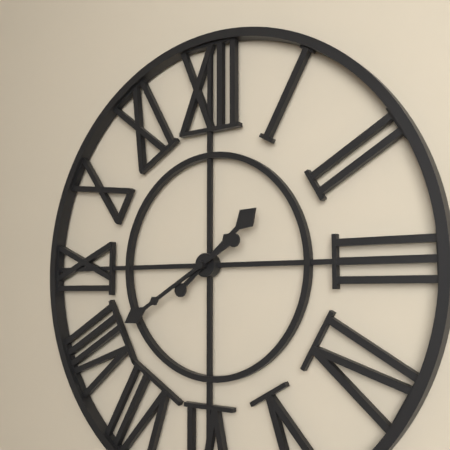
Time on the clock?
1:40
